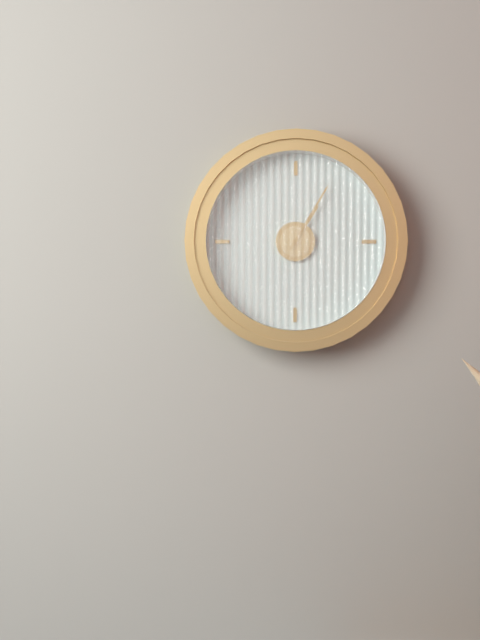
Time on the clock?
1:05
